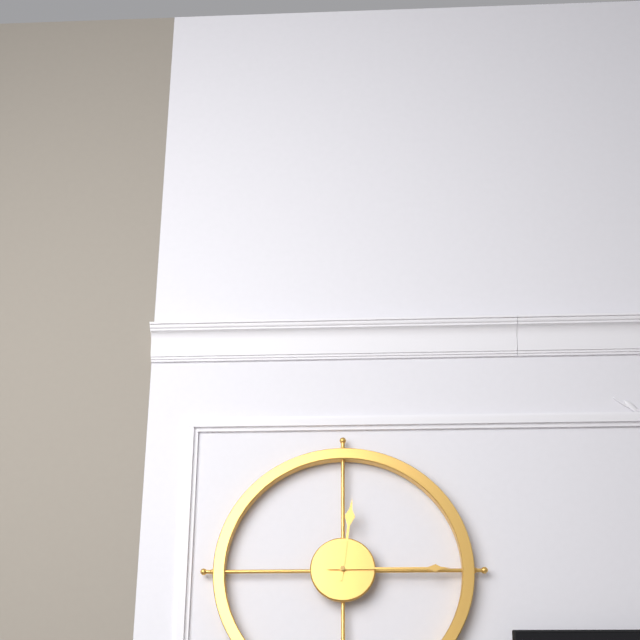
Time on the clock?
12:15
